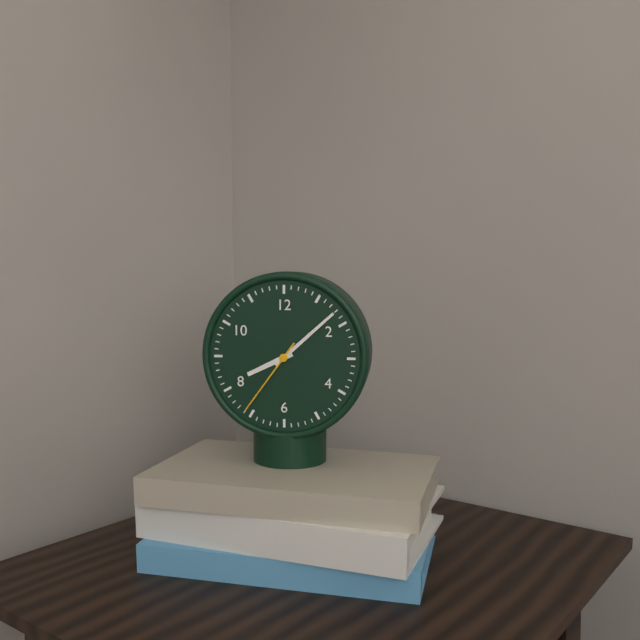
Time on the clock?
8:08:36
